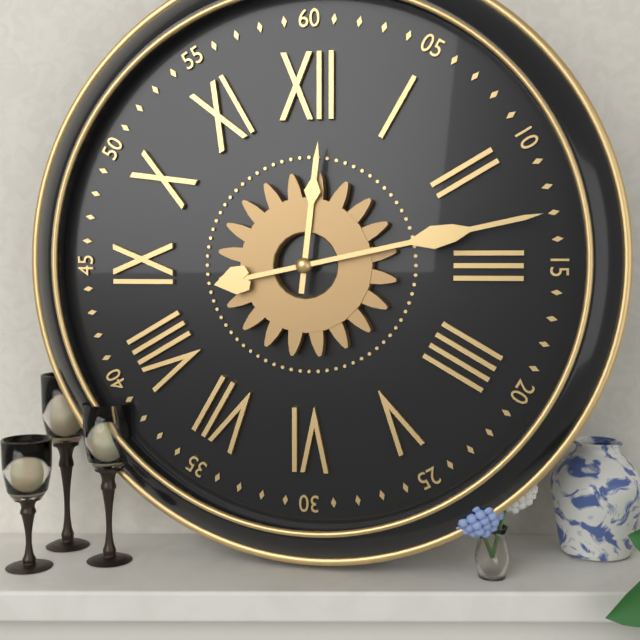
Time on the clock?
12:13
